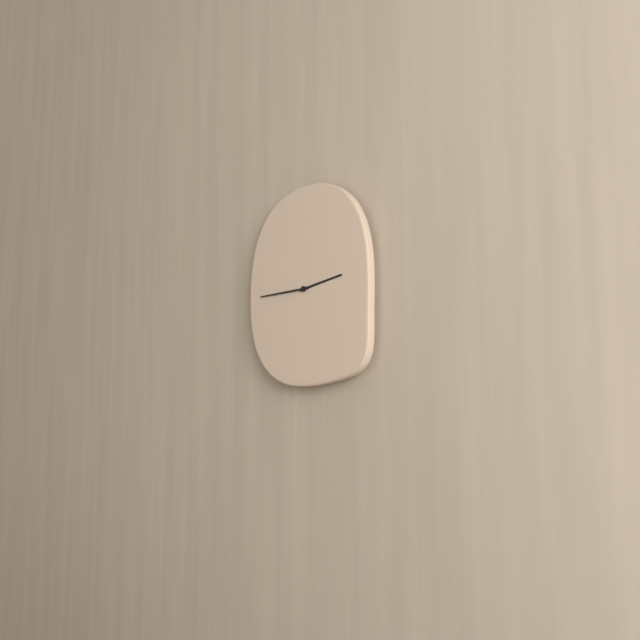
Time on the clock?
2:45
